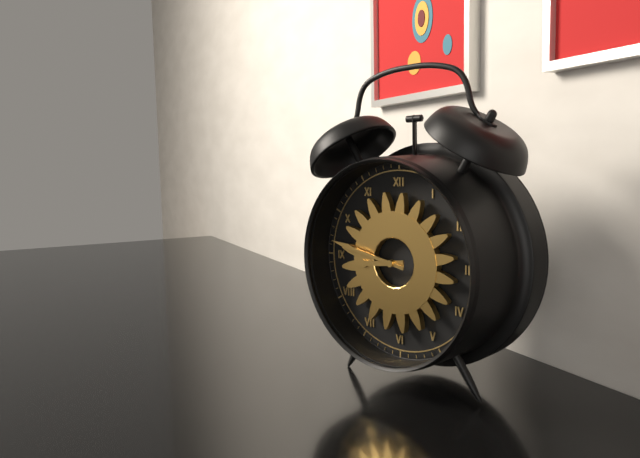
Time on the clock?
8:47
